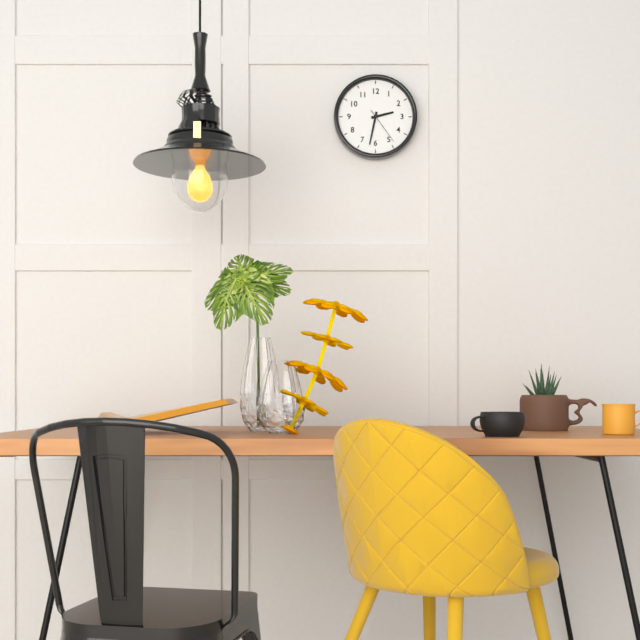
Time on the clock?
2:32
